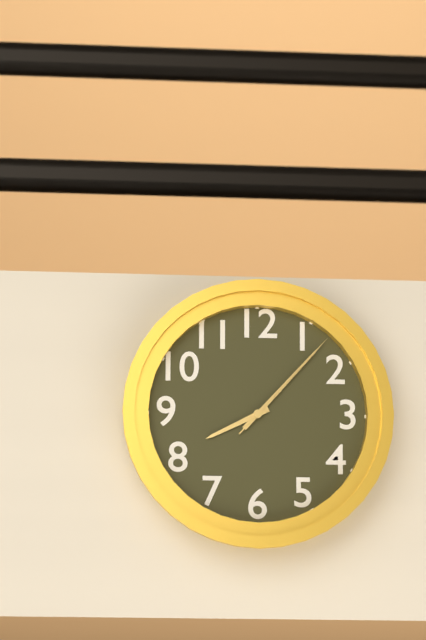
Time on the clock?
8:07:07
